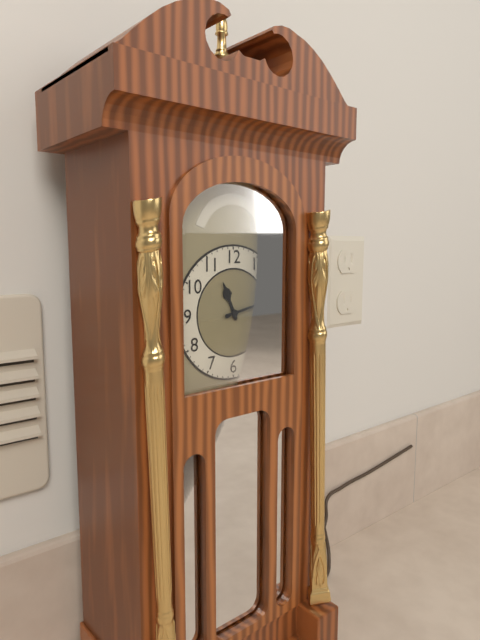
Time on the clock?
11:13
